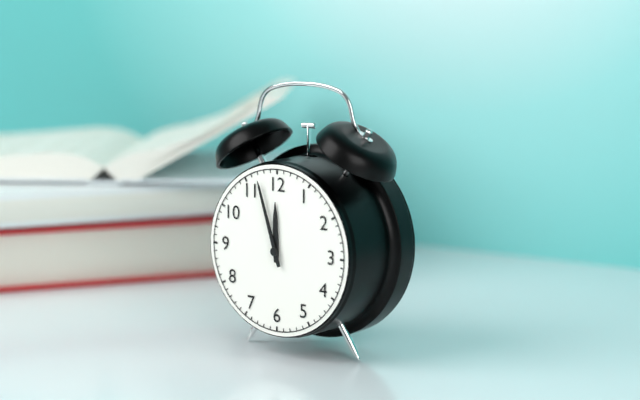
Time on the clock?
11:57
